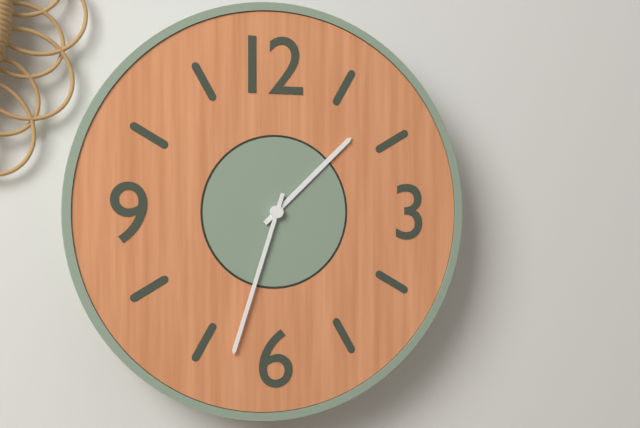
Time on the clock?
1:33
